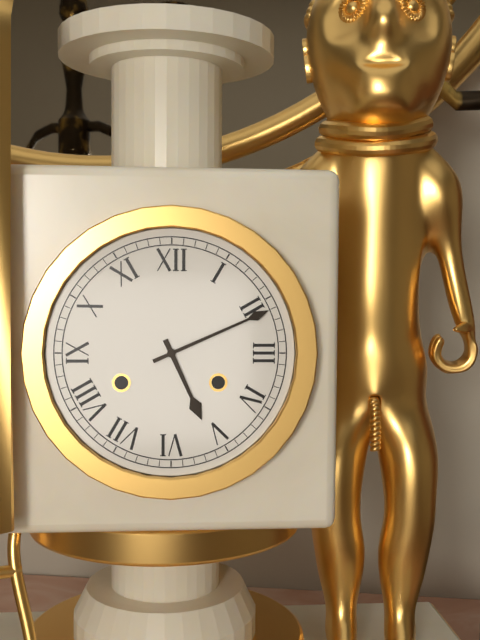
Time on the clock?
5:11
